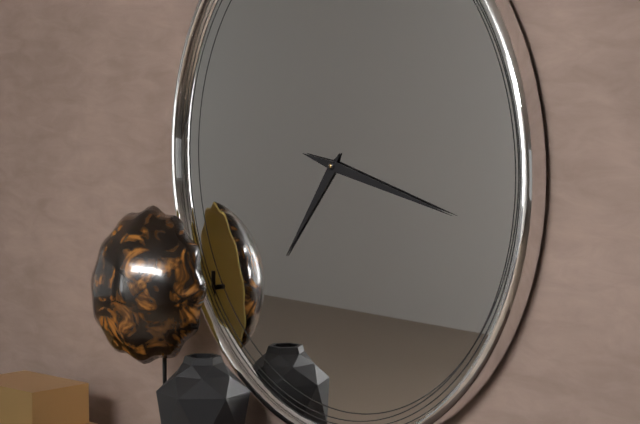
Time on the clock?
7:17
